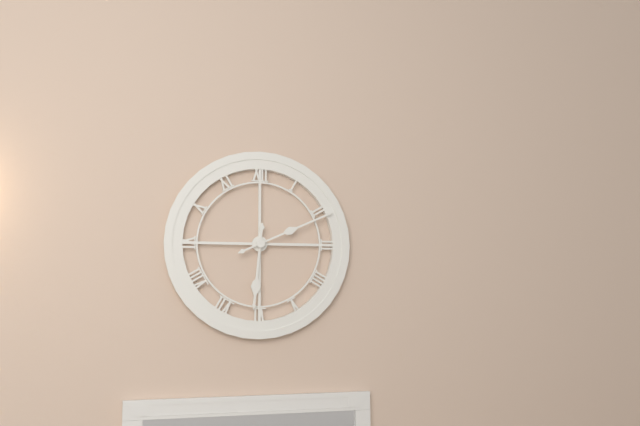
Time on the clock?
6:11
